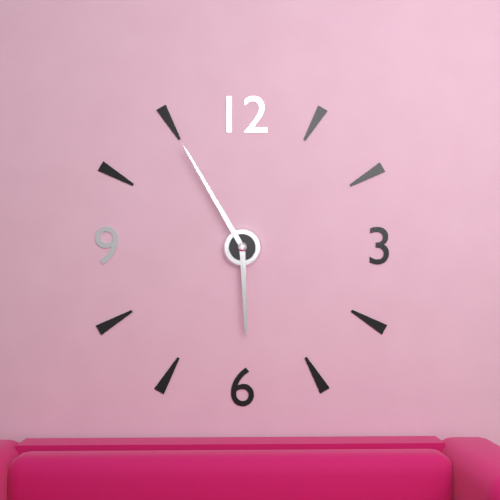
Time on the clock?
5:55
